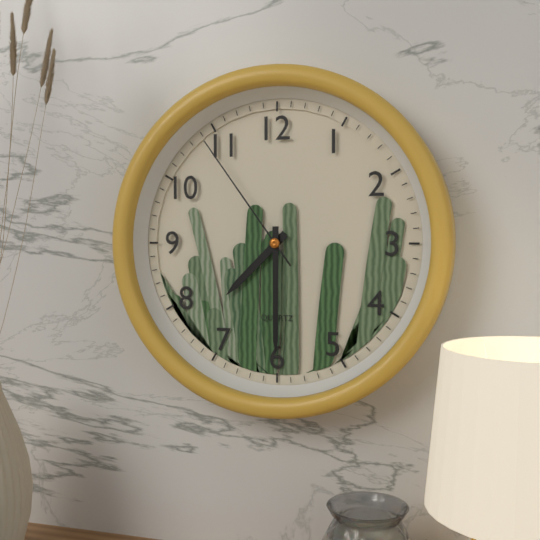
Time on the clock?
7:30:54
